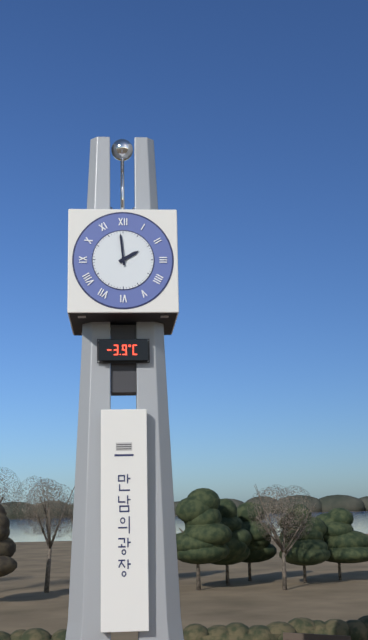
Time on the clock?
1:59
